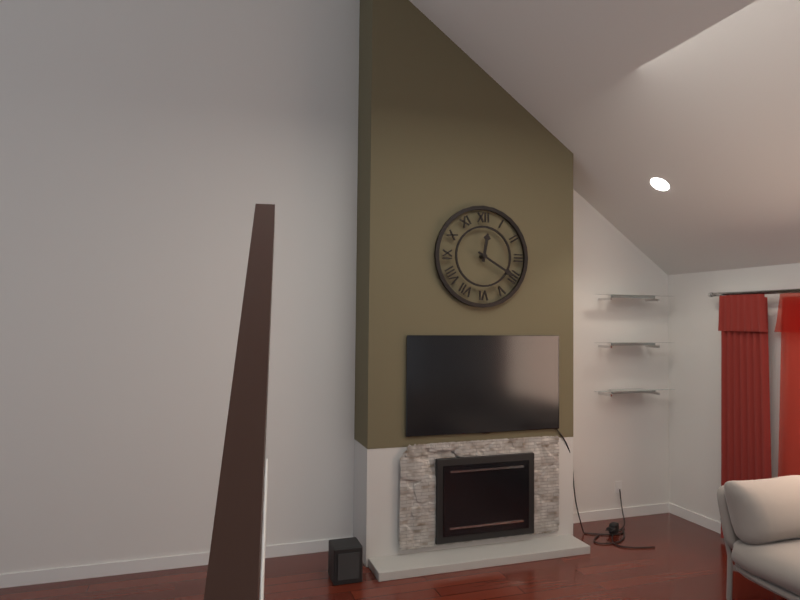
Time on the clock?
12:20
